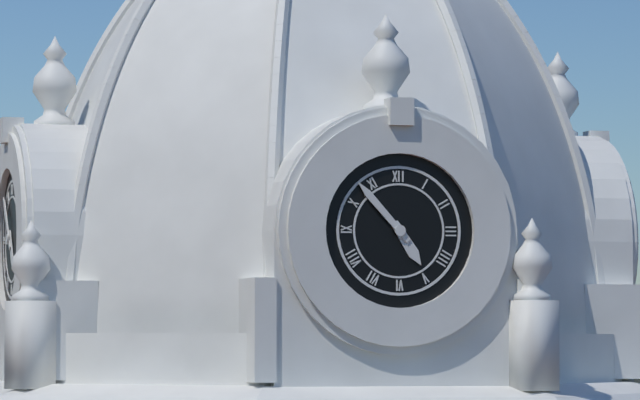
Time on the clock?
4:53
